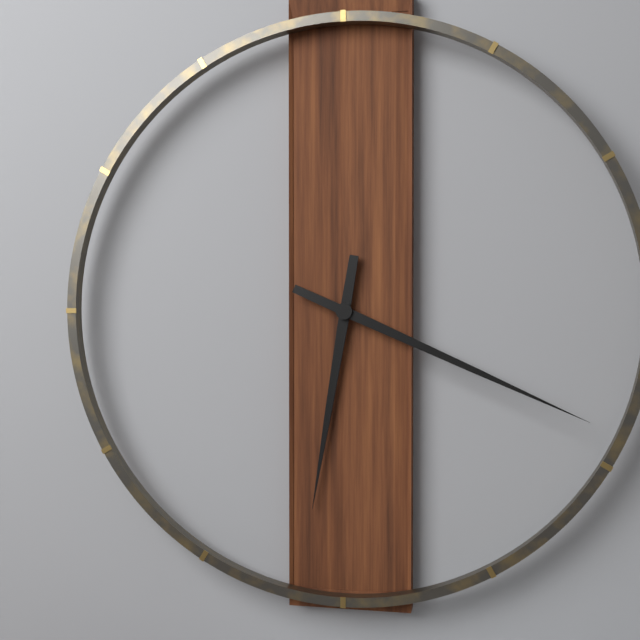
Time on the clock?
6:19
